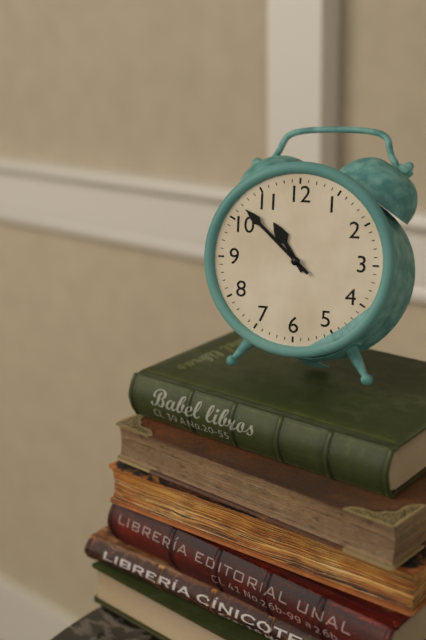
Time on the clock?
10:52
